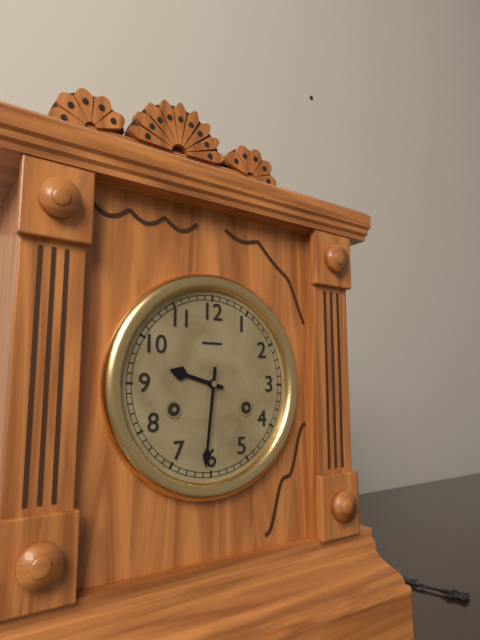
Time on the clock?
9:31
